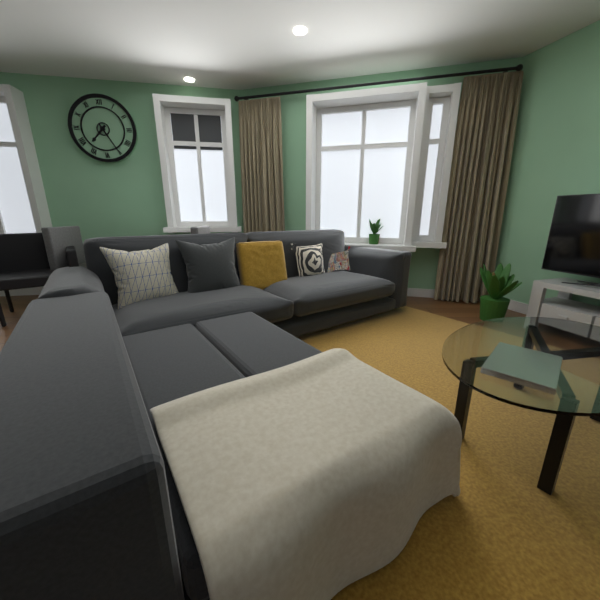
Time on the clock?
7:25
